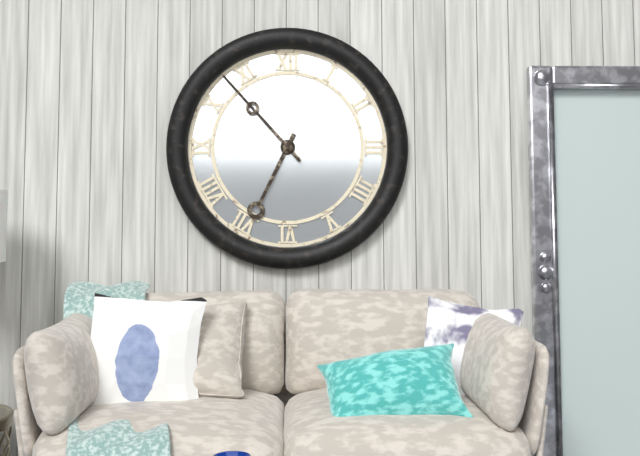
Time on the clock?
6:53
